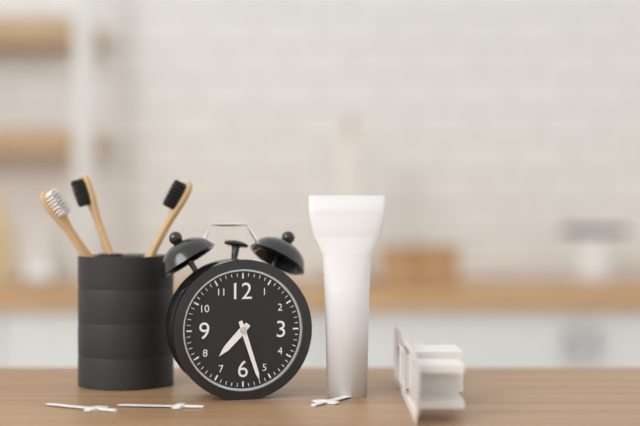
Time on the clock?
7:27
